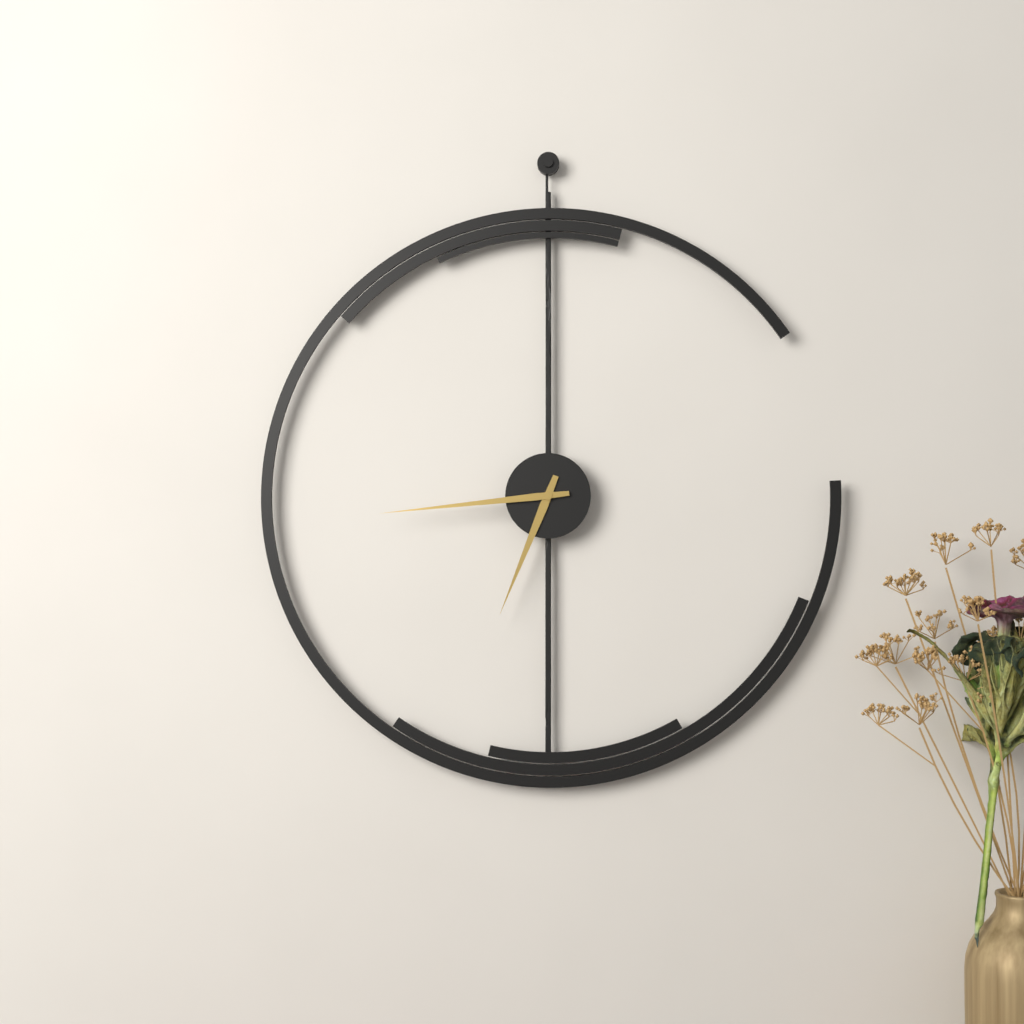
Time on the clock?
6:44
